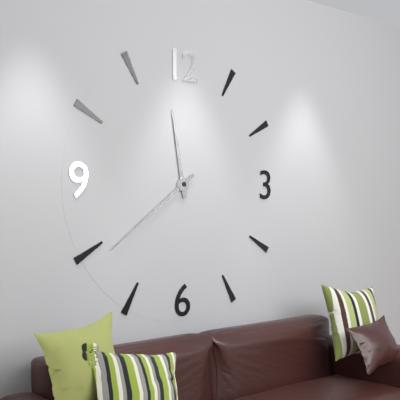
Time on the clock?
11:39
